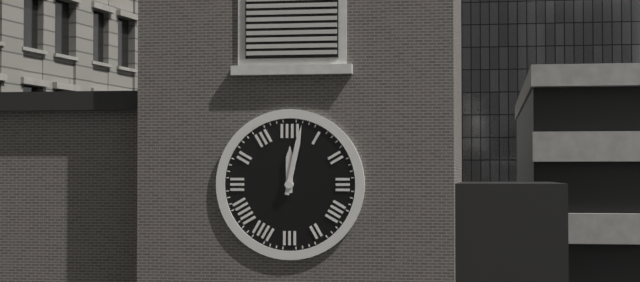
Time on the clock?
12:02
